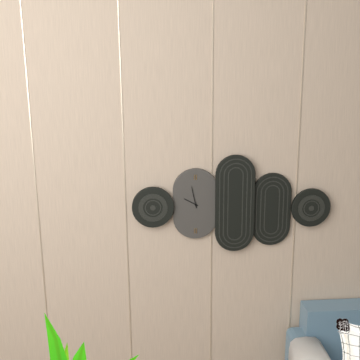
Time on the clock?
9:58
